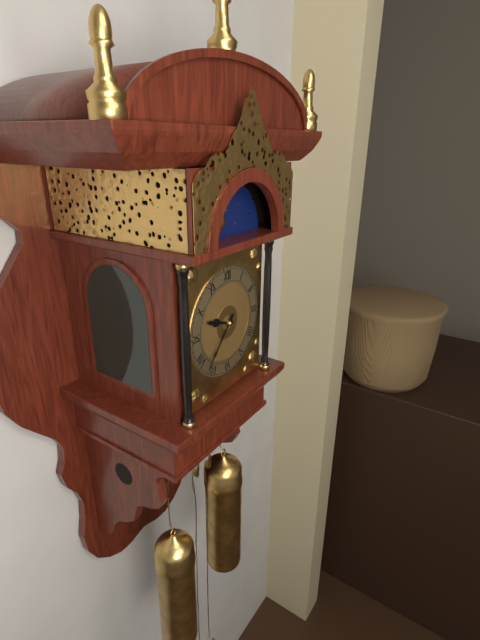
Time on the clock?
9:37
